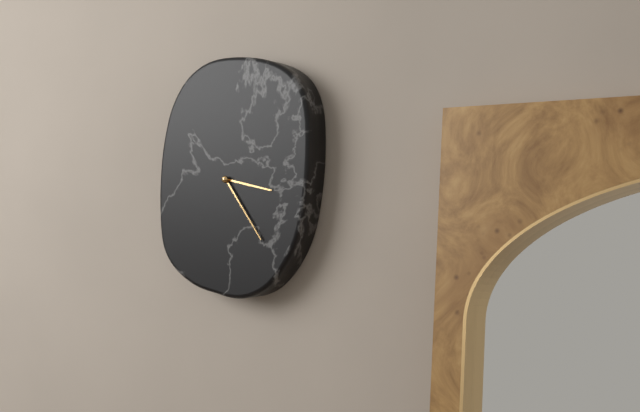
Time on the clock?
3:24
